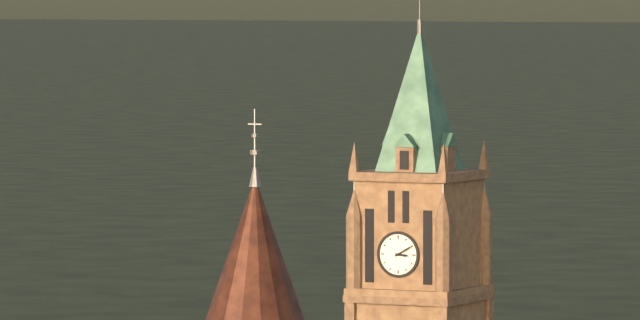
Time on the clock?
3:10
